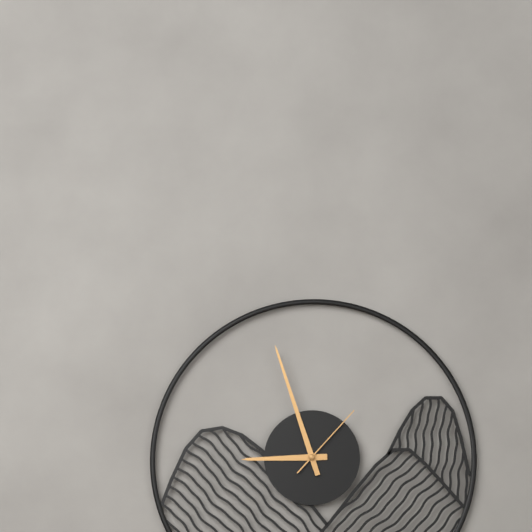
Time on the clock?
8:57:07
